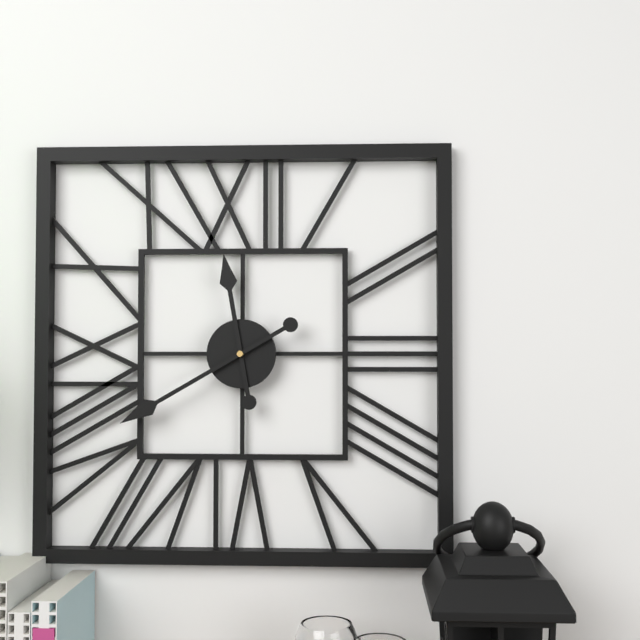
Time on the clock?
11:40
